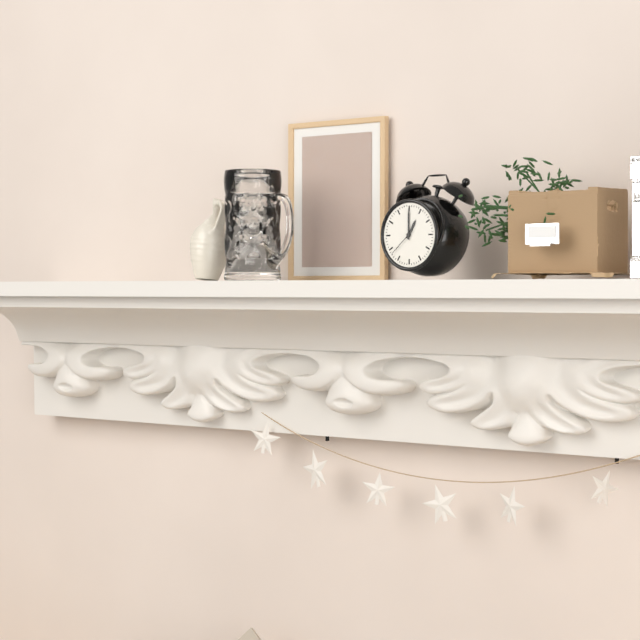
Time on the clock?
1:00
